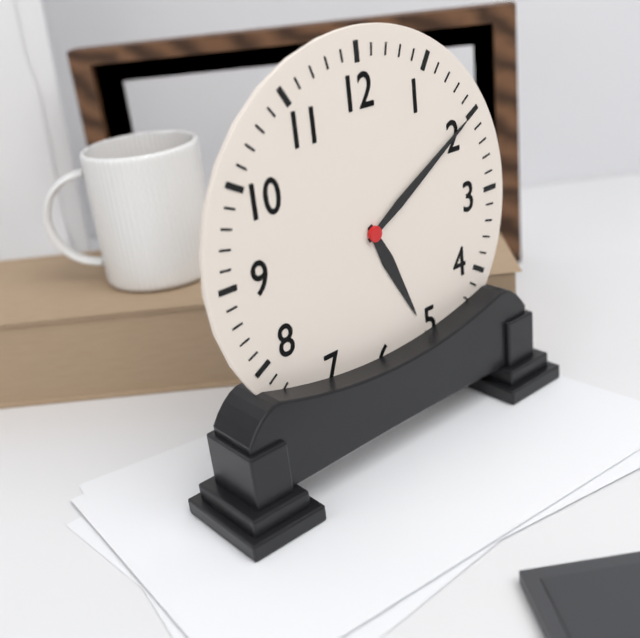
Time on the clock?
5:10
